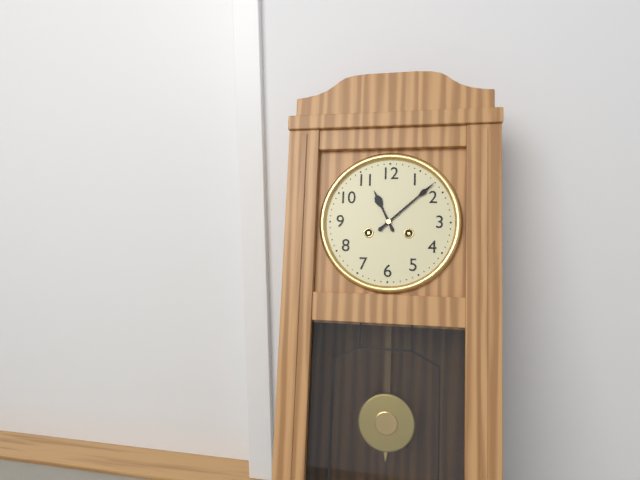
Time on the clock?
11:08
